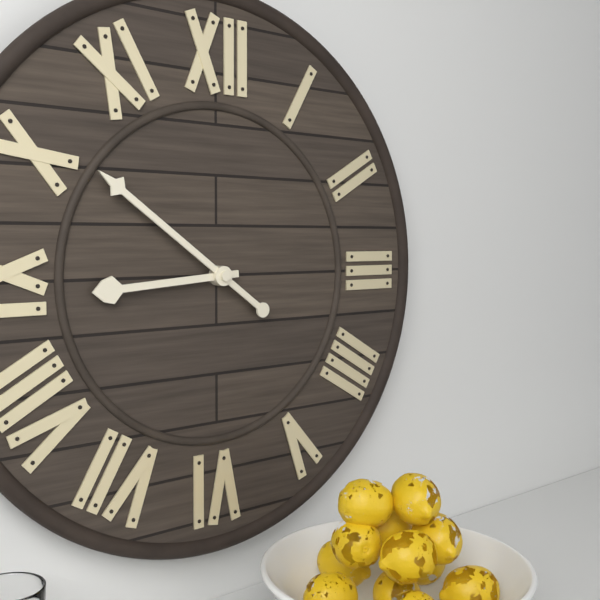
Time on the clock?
8:51
